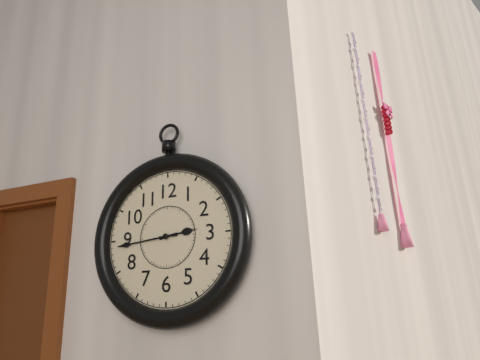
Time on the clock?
2:44
